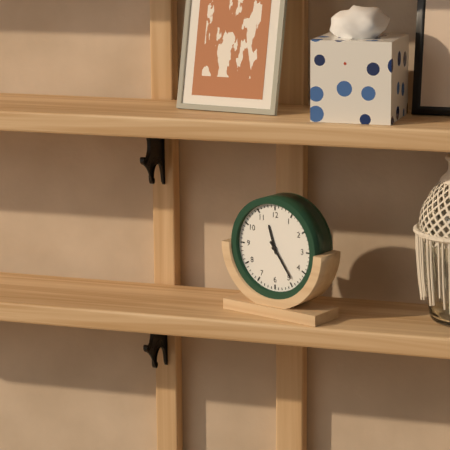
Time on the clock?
11:24
